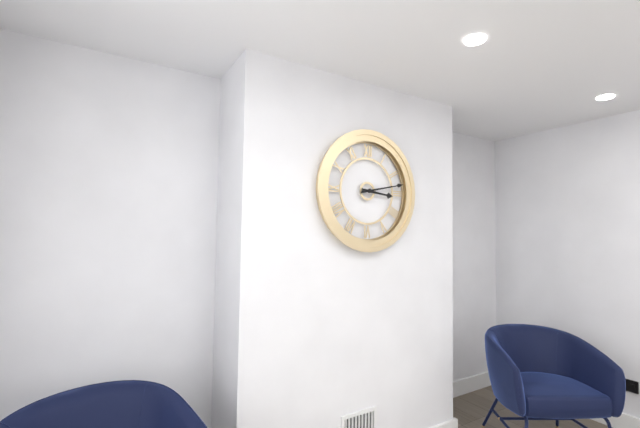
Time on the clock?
3:13
